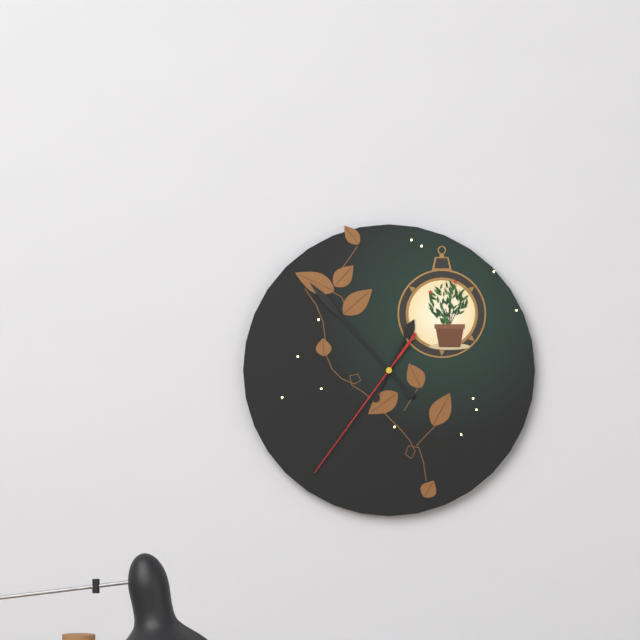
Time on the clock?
12:53:36
